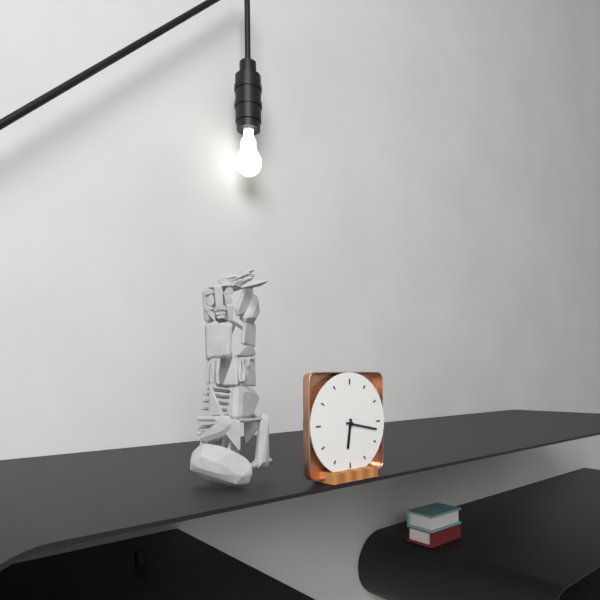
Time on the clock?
6:17
